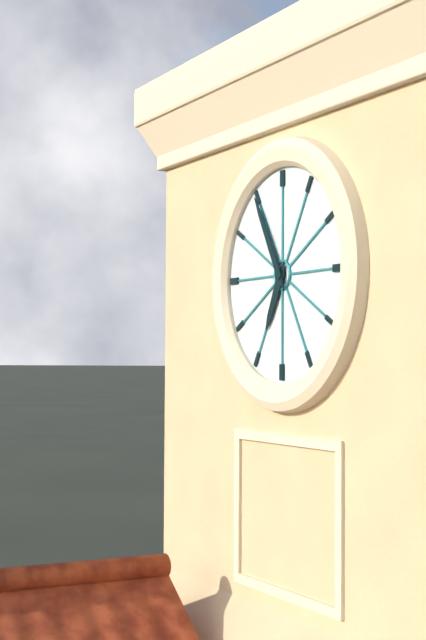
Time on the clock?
6:55
